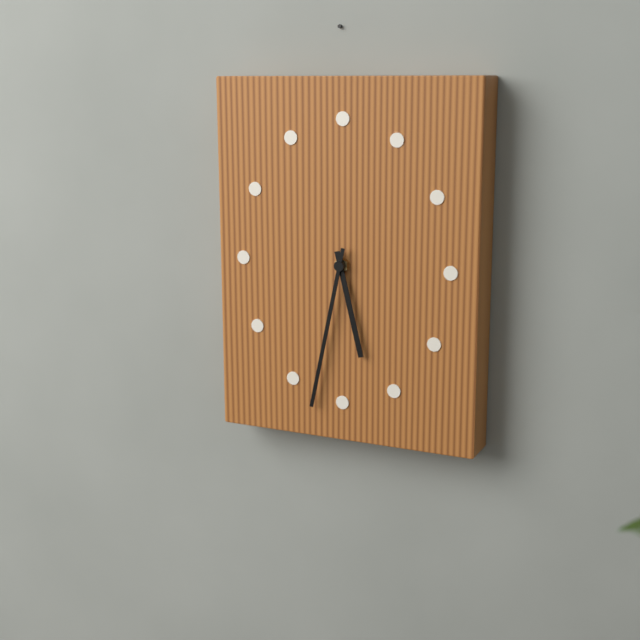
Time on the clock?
5:32
